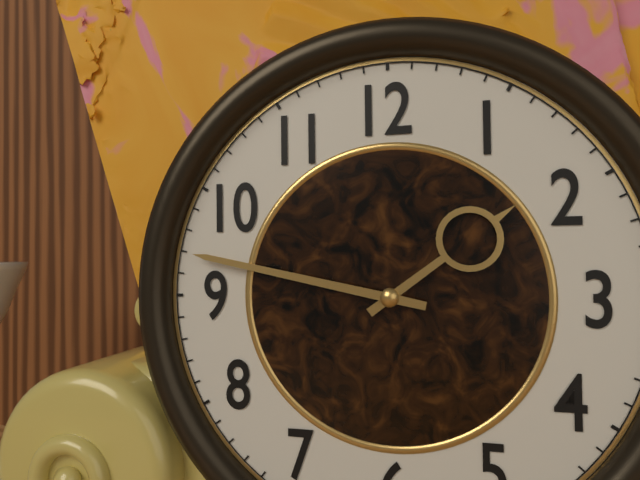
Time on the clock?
1:47
